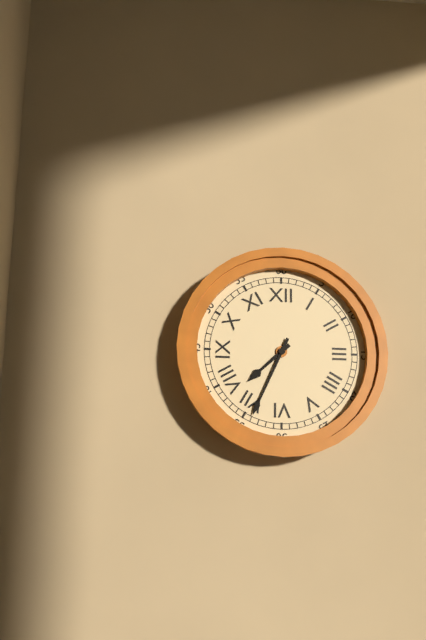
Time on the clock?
7:34
